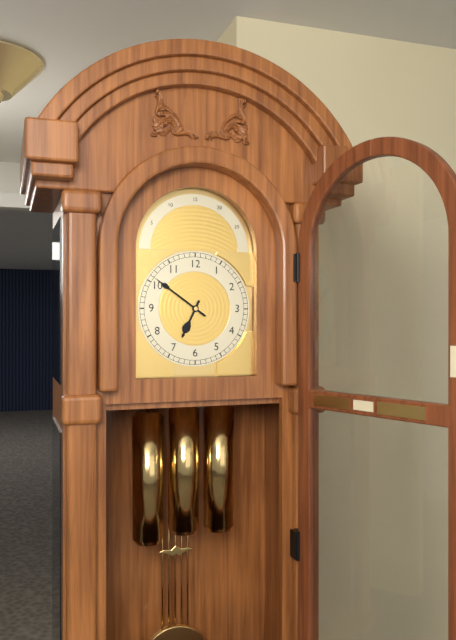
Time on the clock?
6:51
